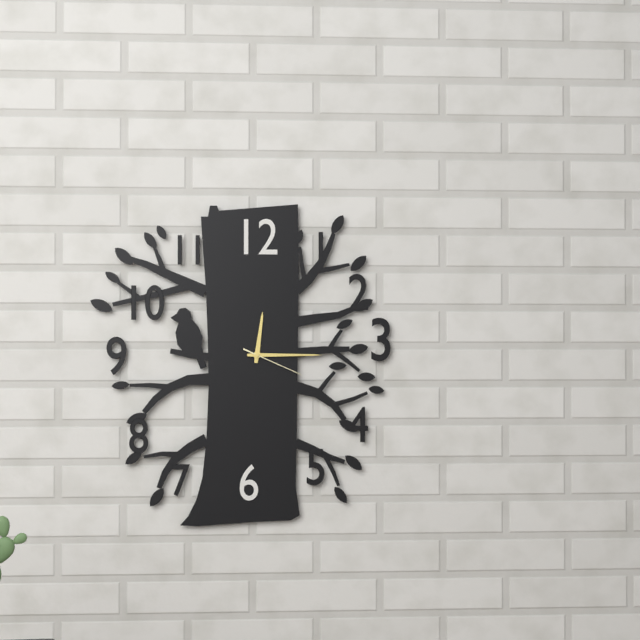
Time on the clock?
12:15:19
